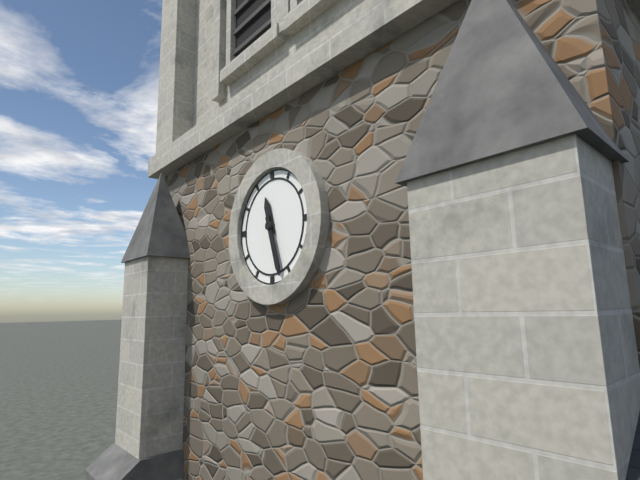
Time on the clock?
11:27
